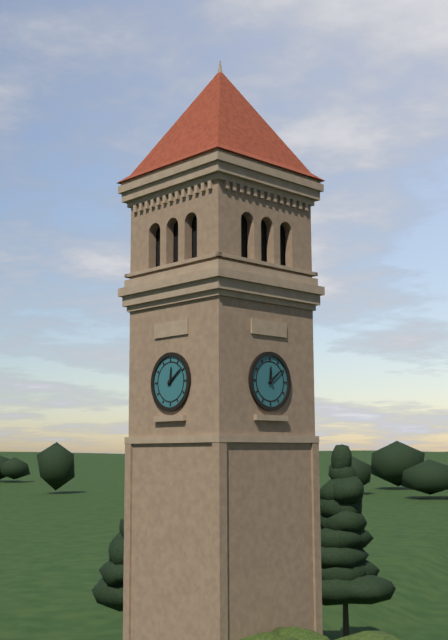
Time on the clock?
12:09
